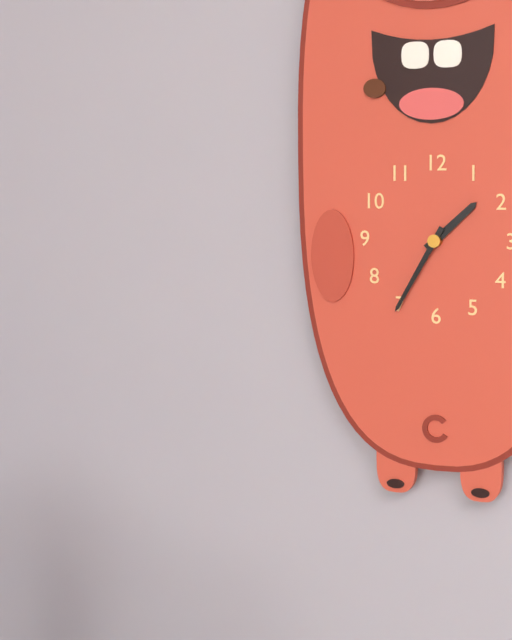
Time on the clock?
1:35
